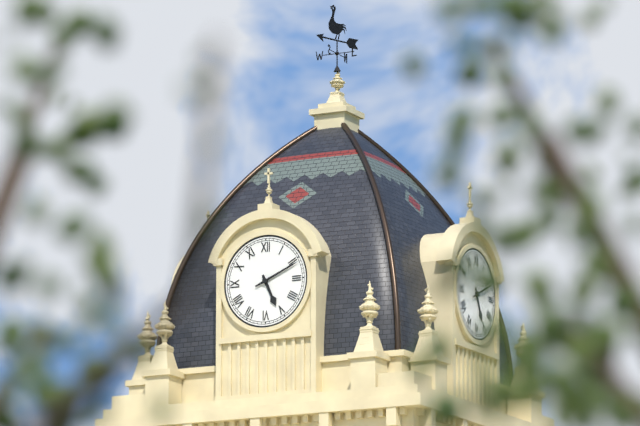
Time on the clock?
5:11
